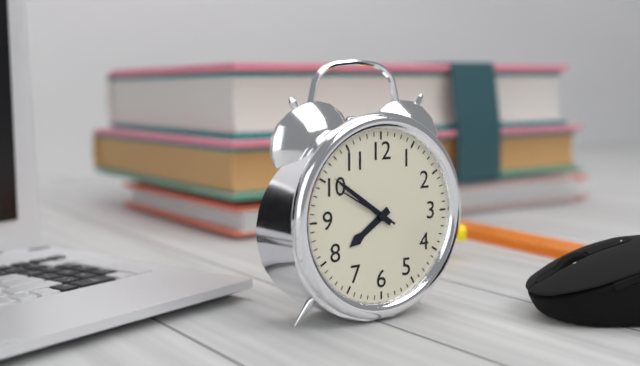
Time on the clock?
7:51:50
